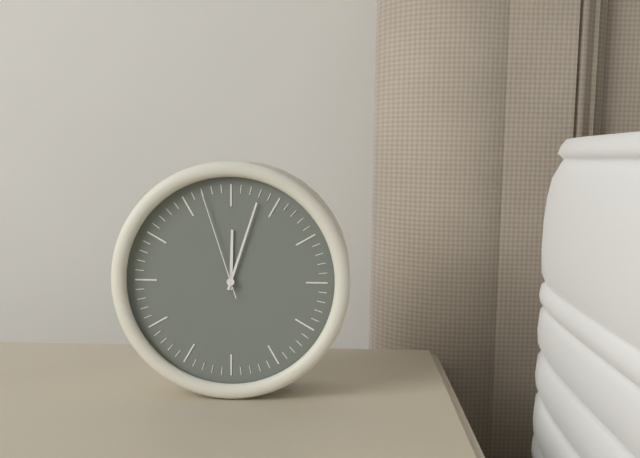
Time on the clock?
12:03:57
